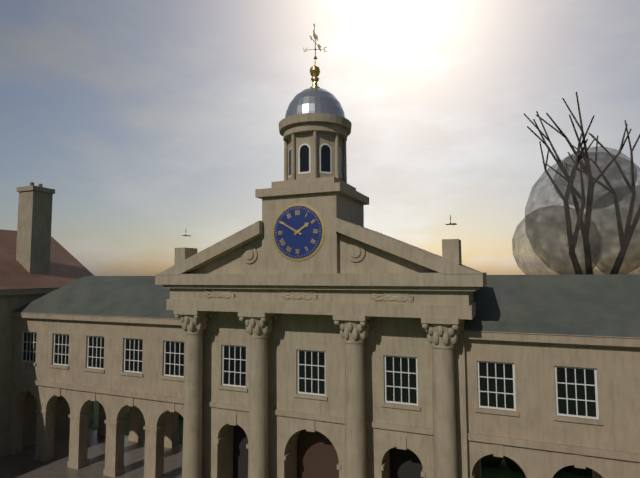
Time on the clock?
1:50
